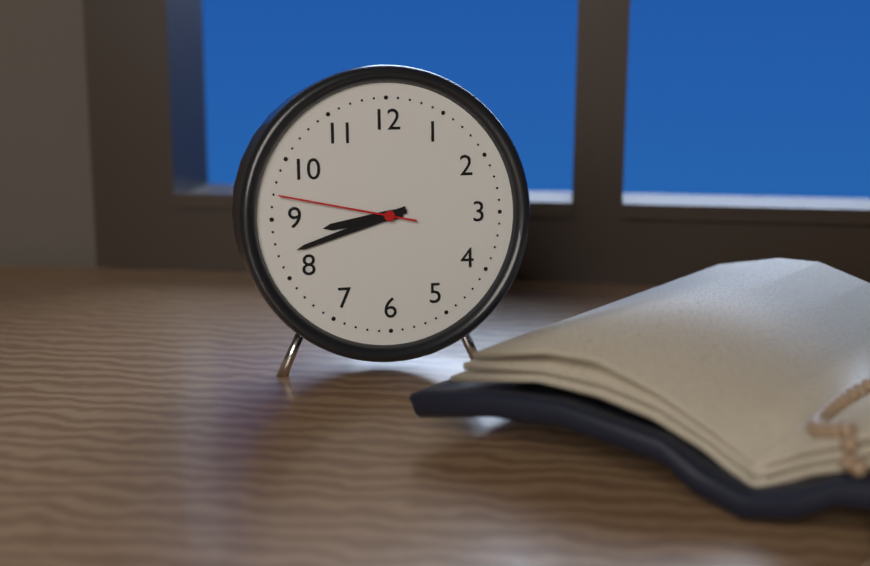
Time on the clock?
8:42:47
